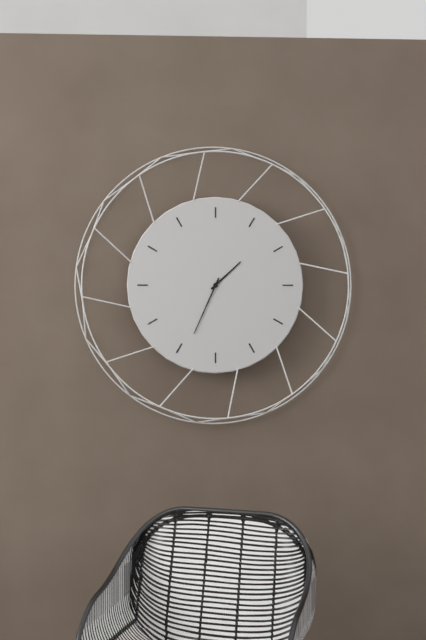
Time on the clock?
1:34
